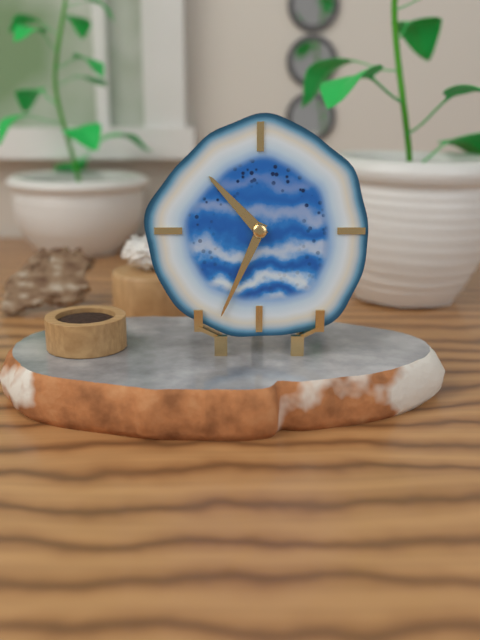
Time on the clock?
10:34
